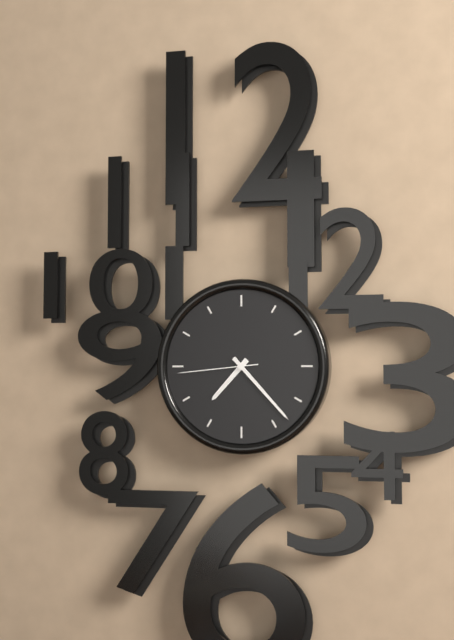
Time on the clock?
7:23:44
